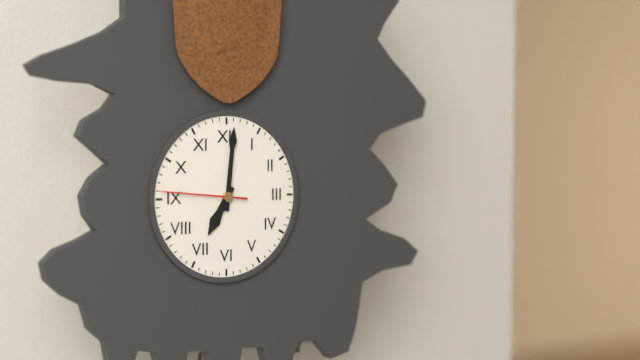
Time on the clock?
7:01:46
